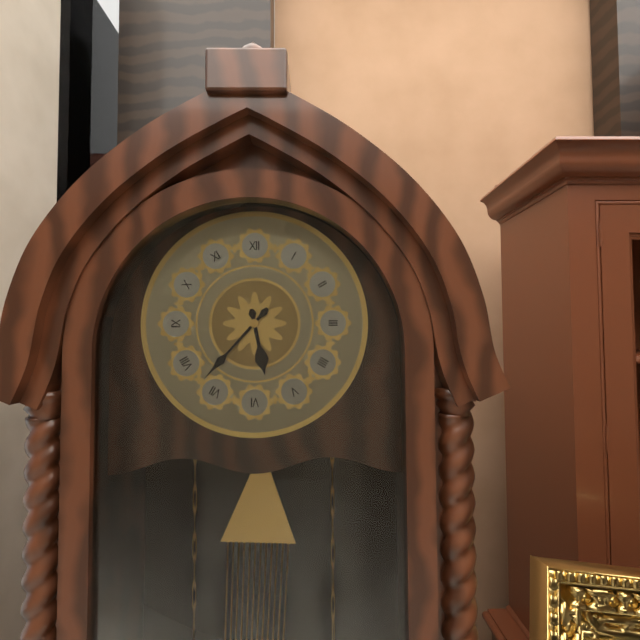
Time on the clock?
5:37
